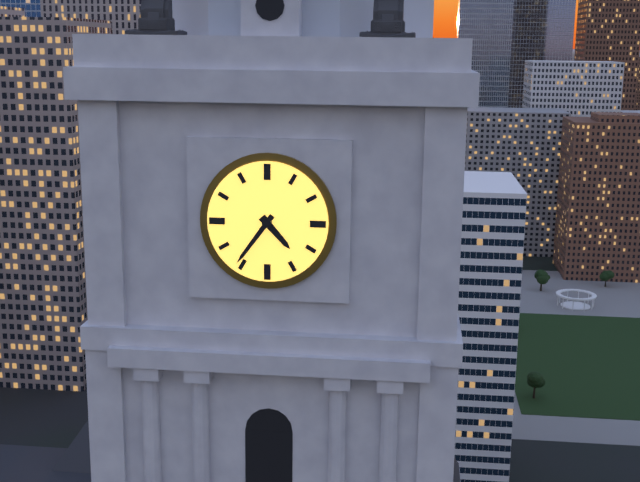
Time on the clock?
4:36
